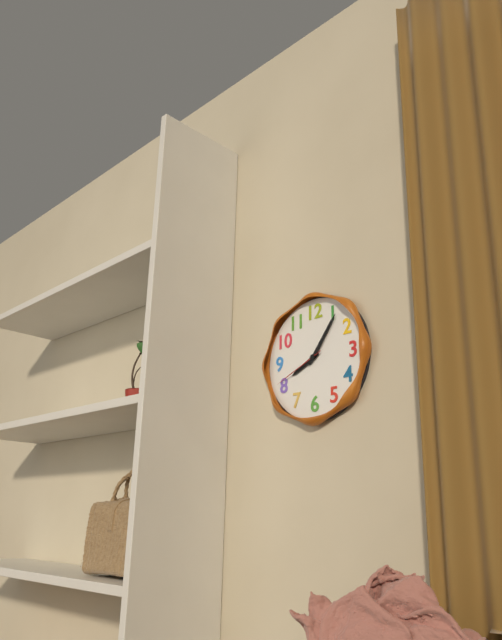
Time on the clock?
8:06:41
